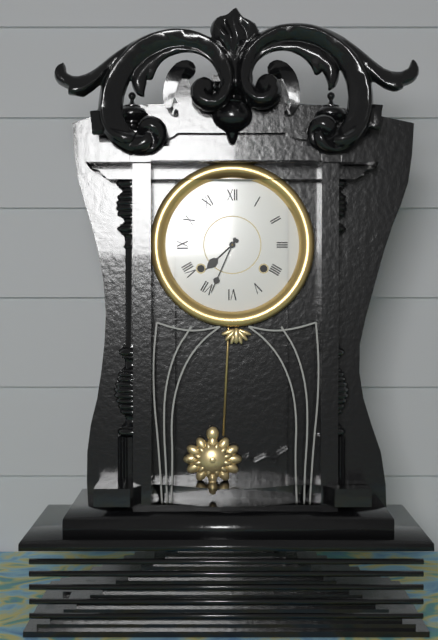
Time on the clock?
7:34
